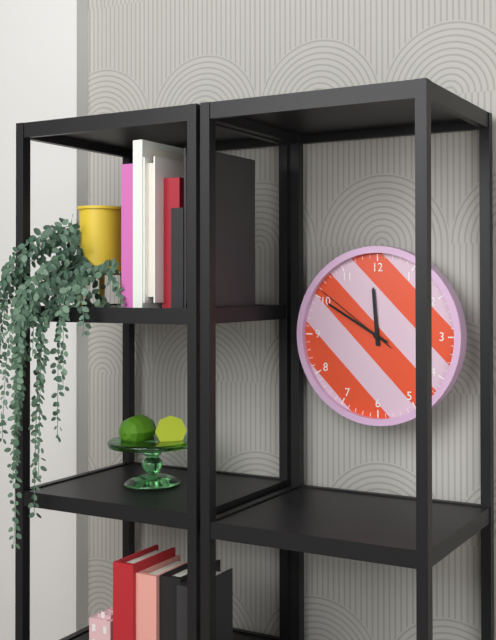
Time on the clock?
11:50:51
